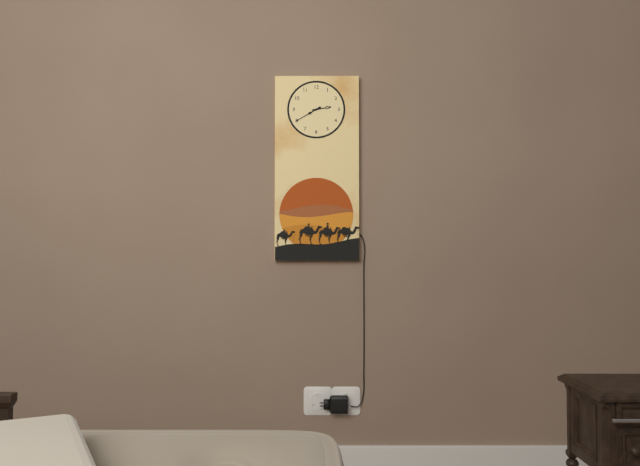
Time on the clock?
2:40
